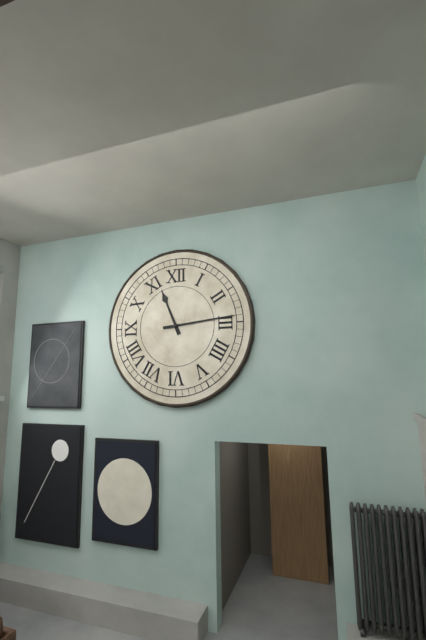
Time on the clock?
11:14
